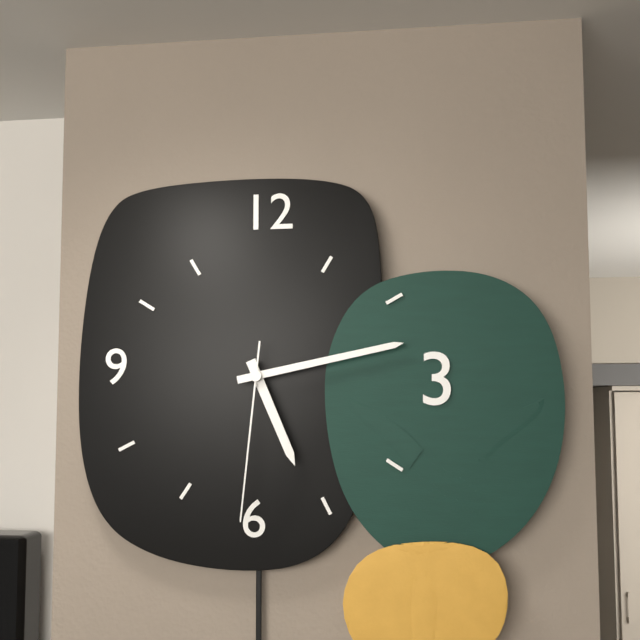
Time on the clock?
5:13:31
